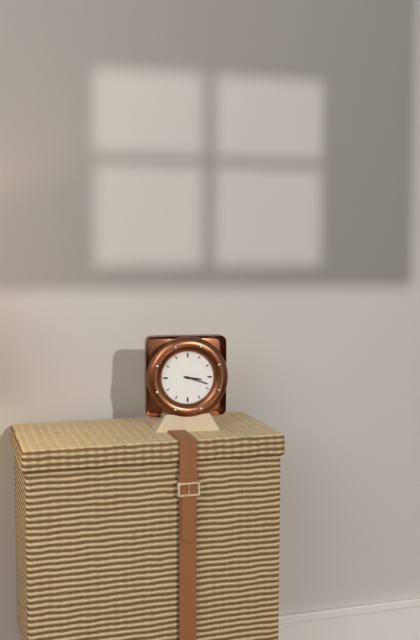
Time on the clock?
3:18
